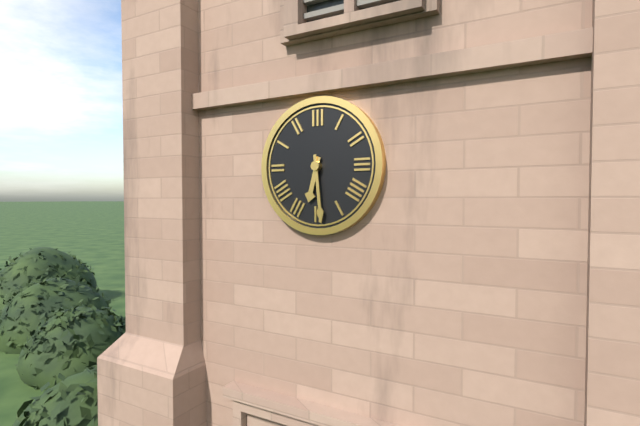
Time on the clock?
6:29
